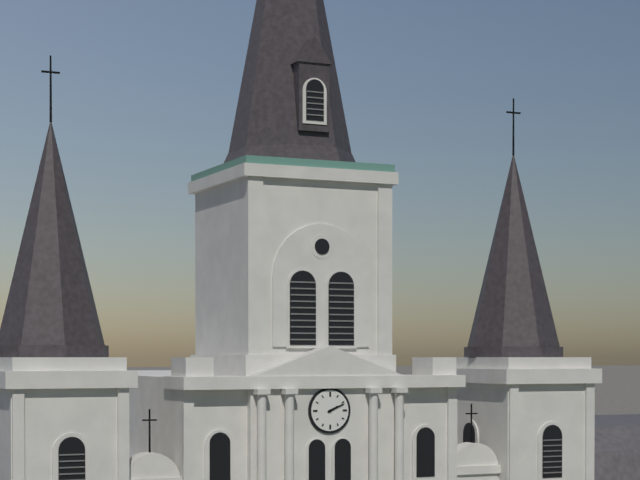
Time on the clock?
2:11
